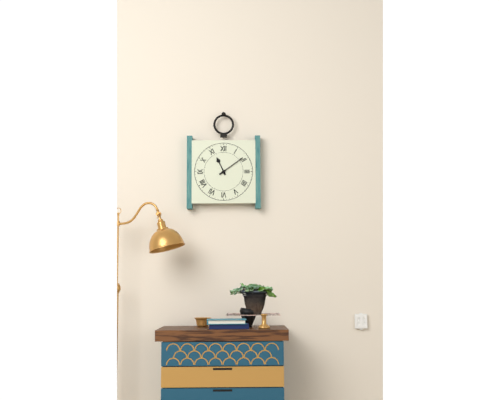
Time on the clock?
11:09
